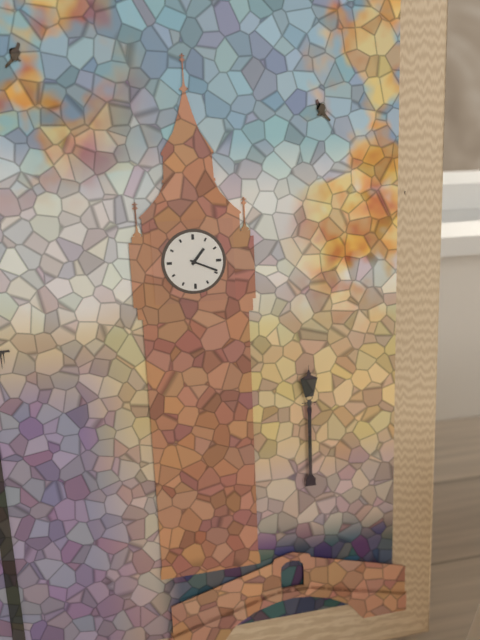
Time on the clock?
1:19
